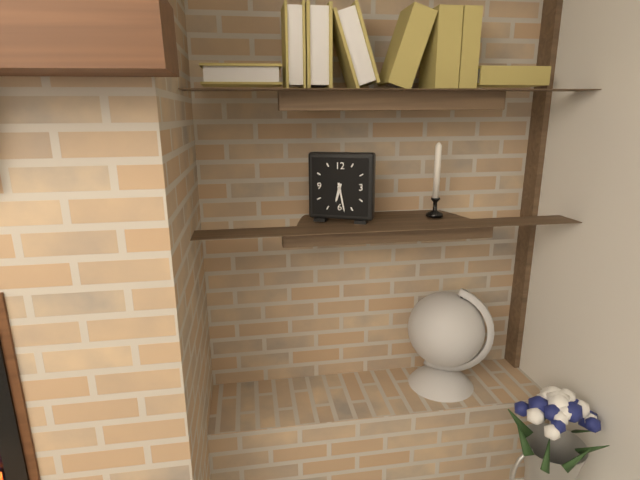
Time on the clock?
6:28
